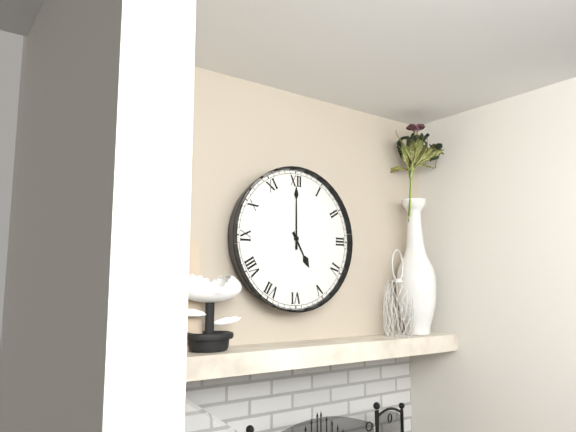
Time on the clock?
5:00
